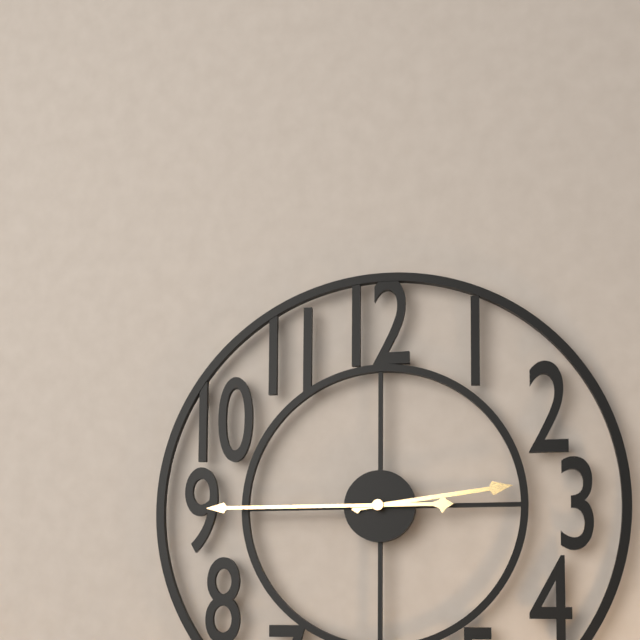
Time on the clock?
2:45
